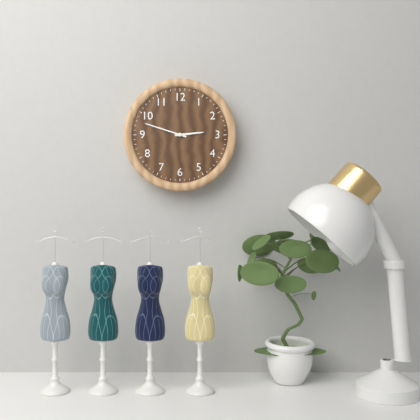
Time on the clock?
2:48
